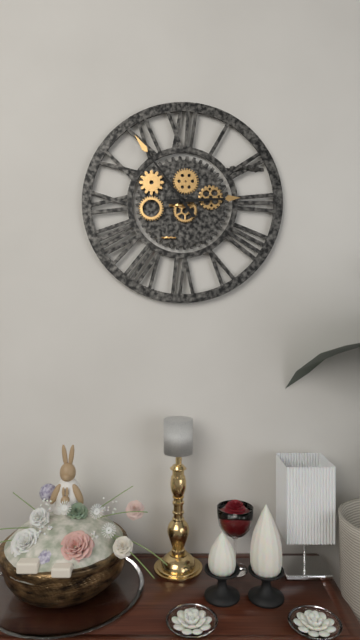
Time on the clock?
2:54
